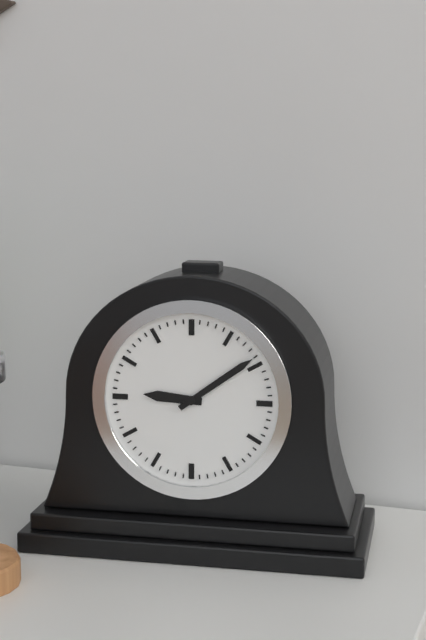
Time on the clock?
9:09
